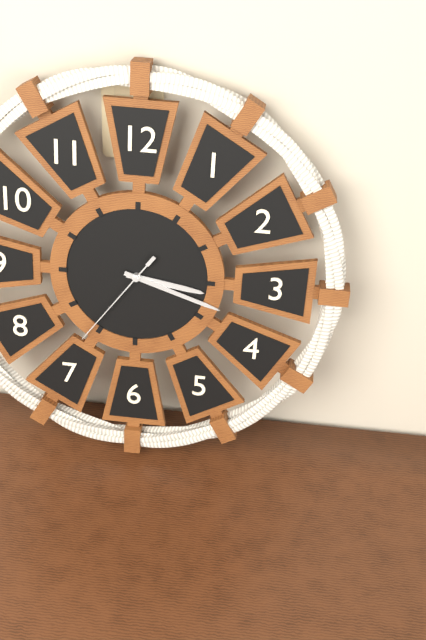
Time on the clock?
3:18:36
